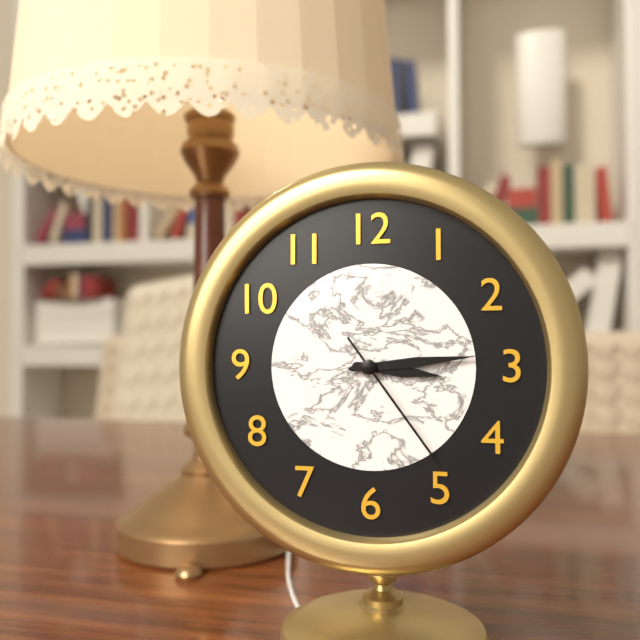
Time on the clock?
3:14:24
